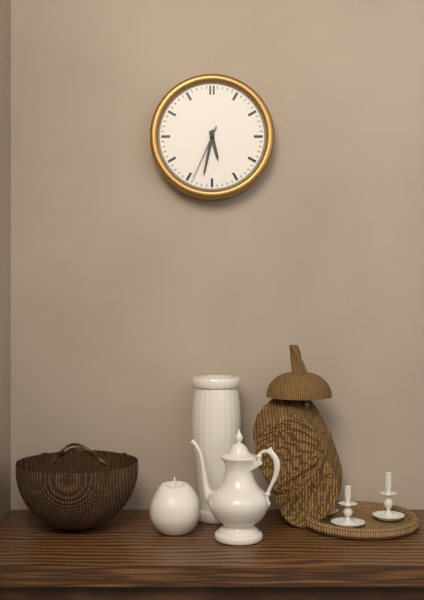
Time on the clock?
5:32:34
